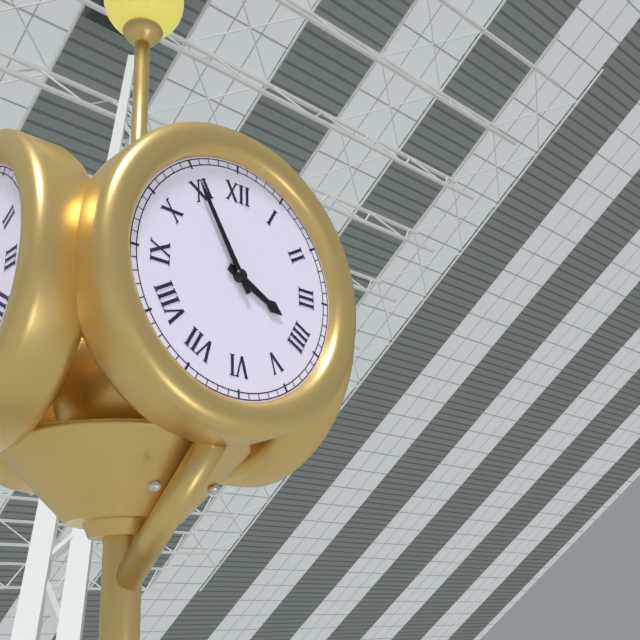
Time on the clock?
3:55
